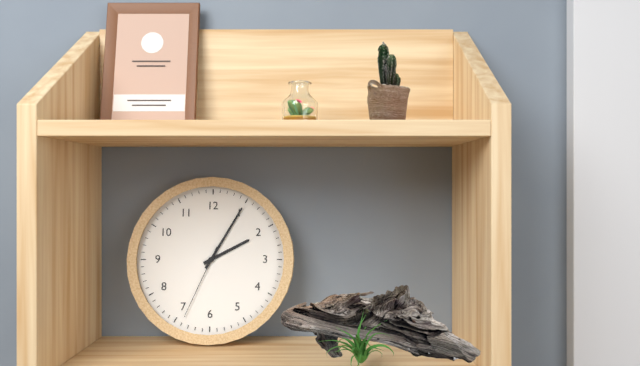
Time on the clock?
2:05:34
